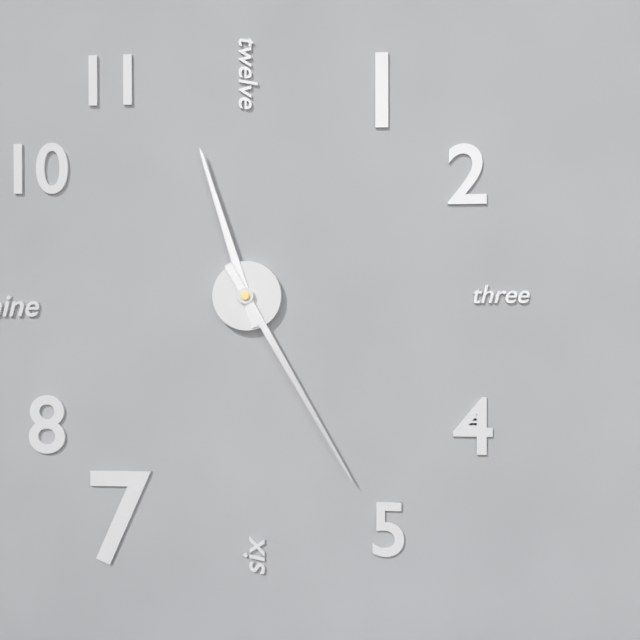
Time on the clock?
11:25
